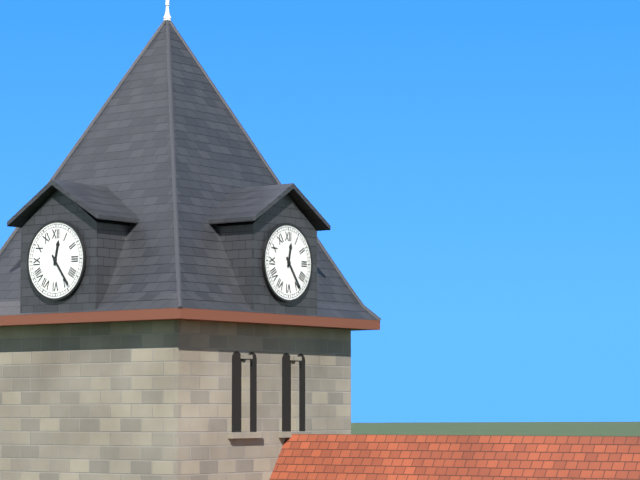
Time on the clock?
12:24
